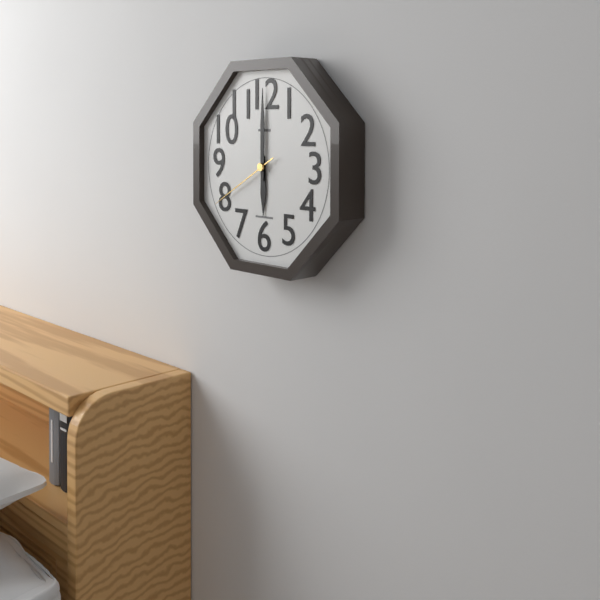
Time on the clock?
6:00:40
